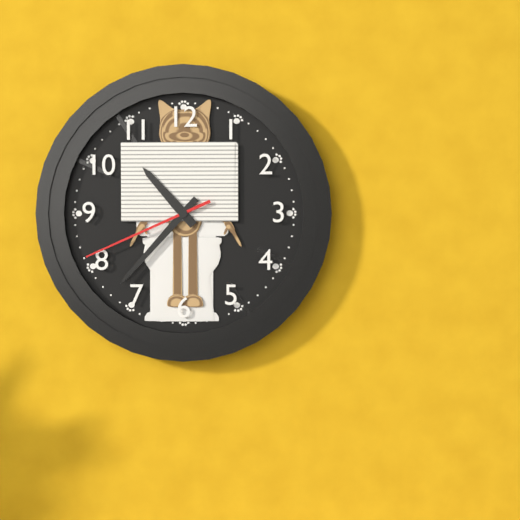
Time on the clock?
10:37:41
